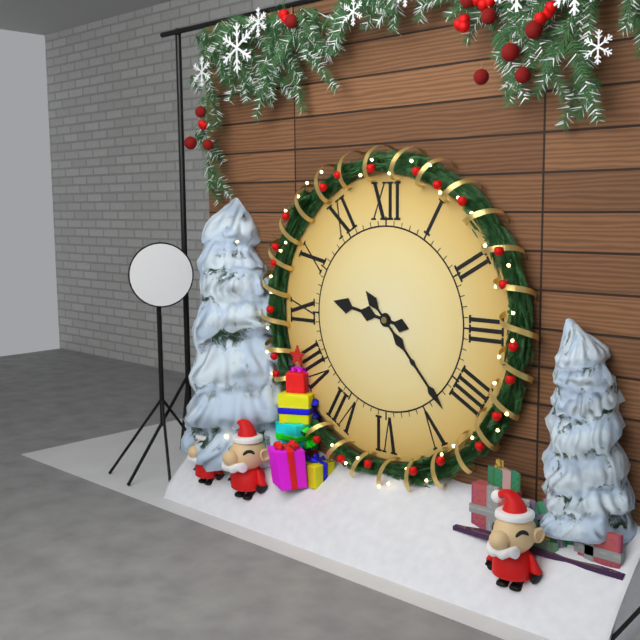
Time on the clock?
9:23
